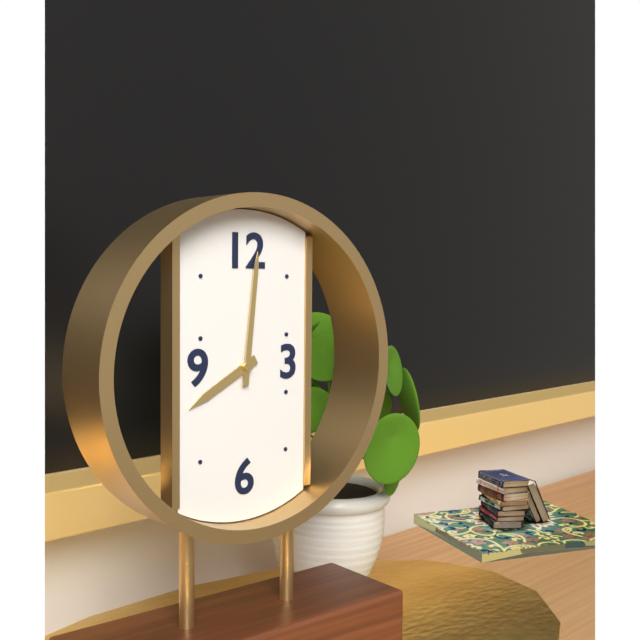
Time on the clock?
8:01
